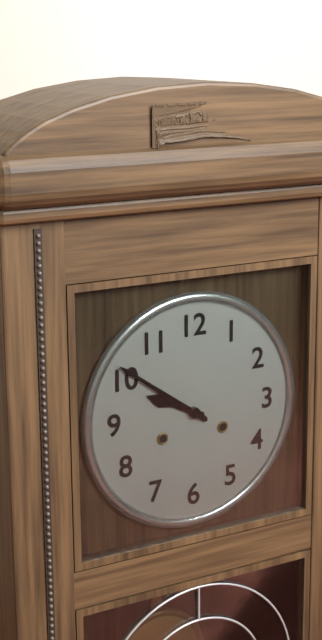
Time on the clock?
9:51
